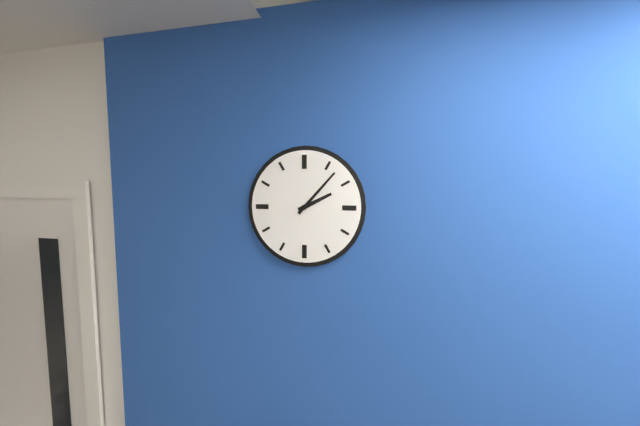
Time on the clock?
2:07
